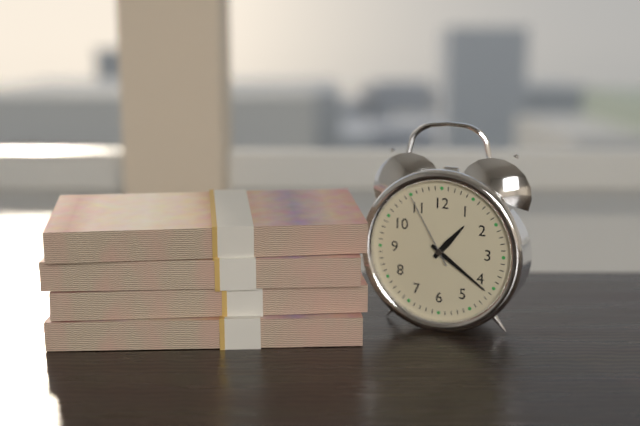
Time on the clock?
1:21:55
